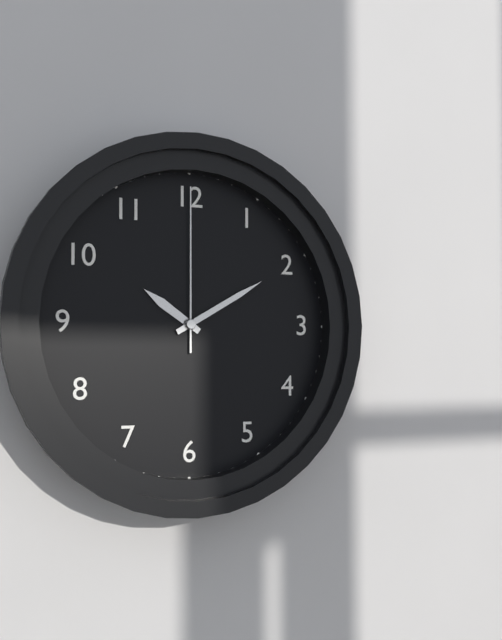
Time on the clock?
10:10:00
